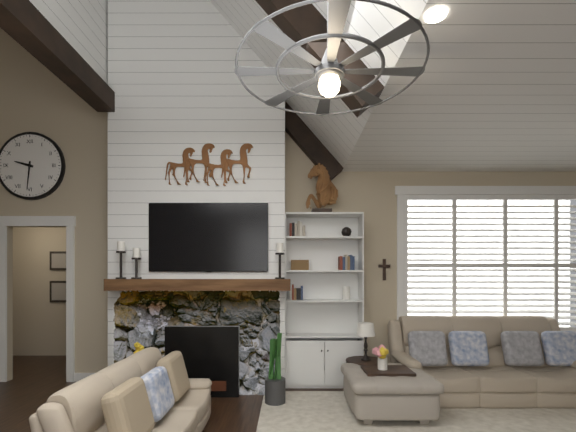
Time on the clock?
9:31
